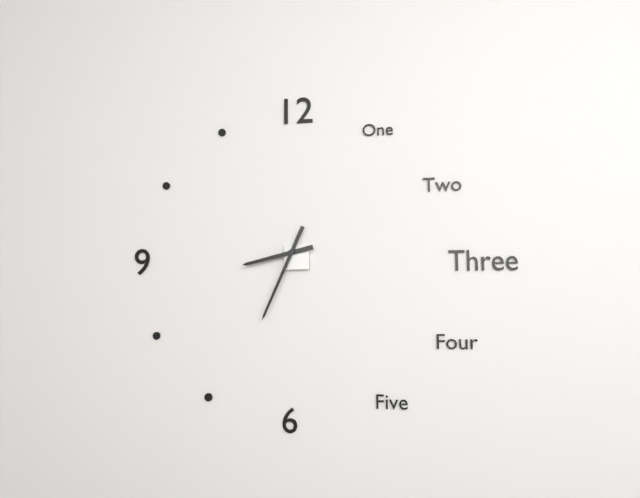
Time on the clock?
8:34
